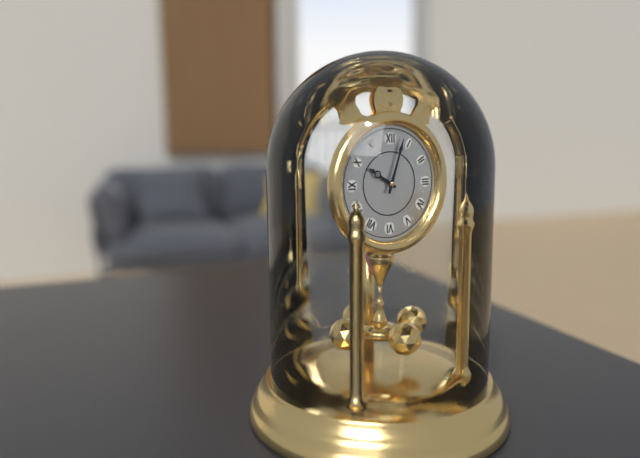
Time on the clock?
10:03
